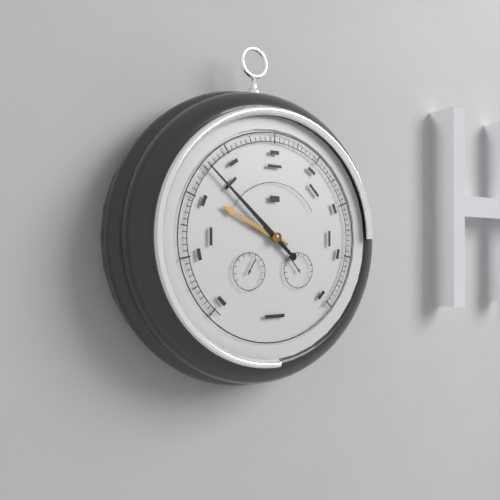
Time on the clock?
9:52
